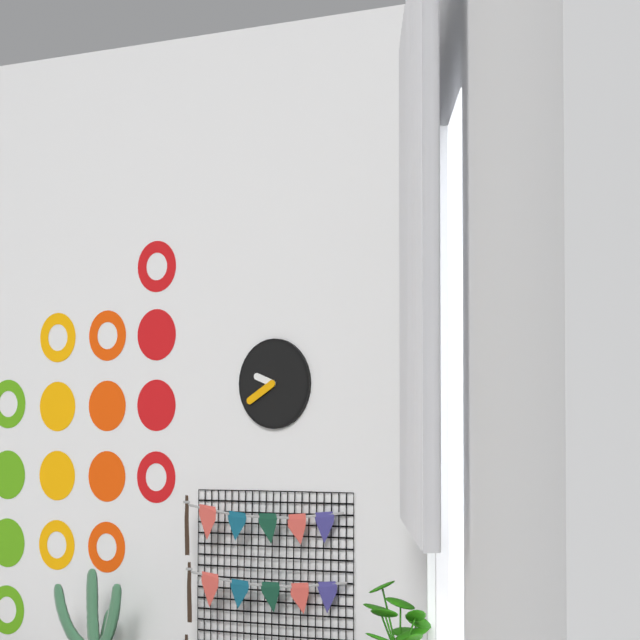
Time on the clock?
9:40
